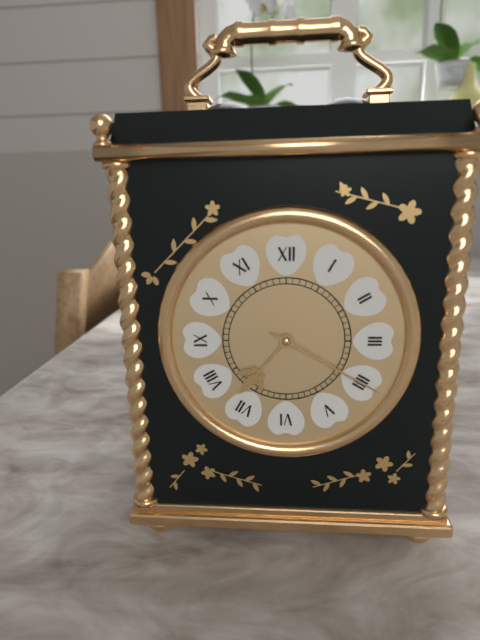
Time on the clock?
7:20
